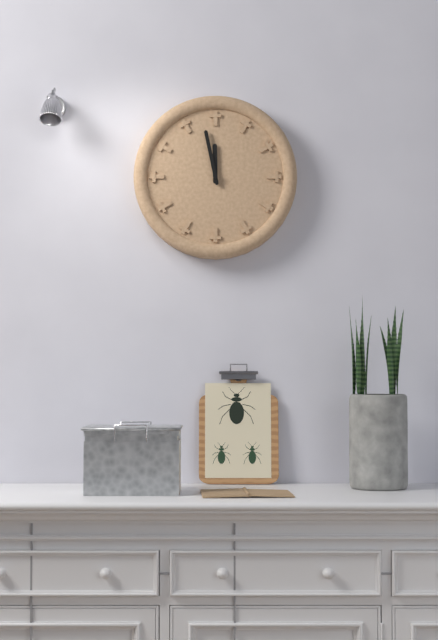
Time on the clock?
11:58
